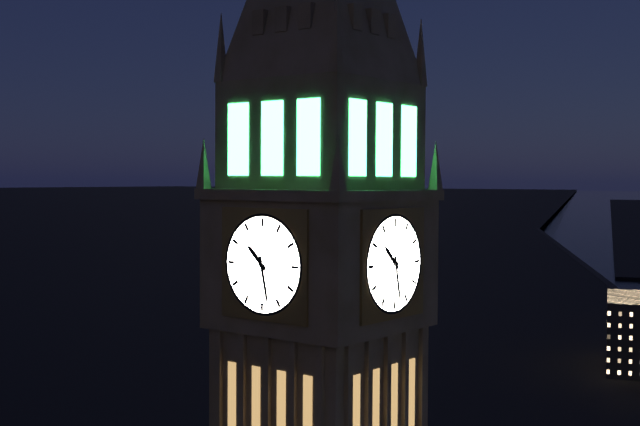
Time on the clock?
10:28
